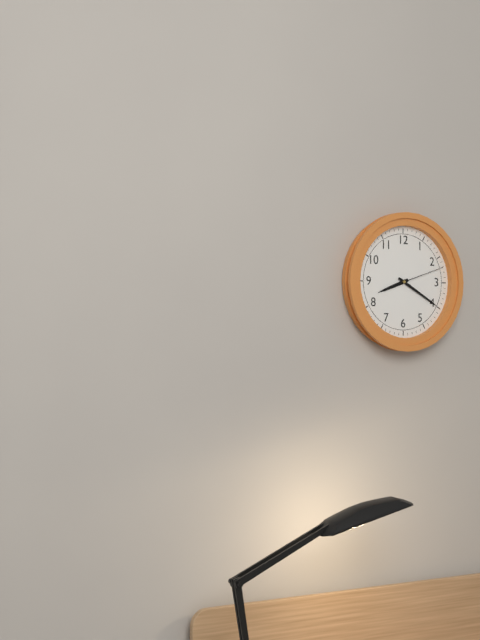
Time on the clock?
8:20:12
